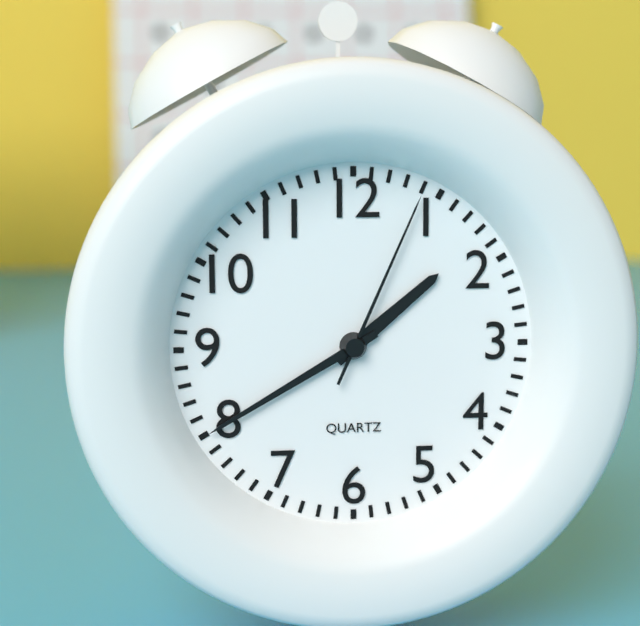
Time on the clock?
1:40:04
